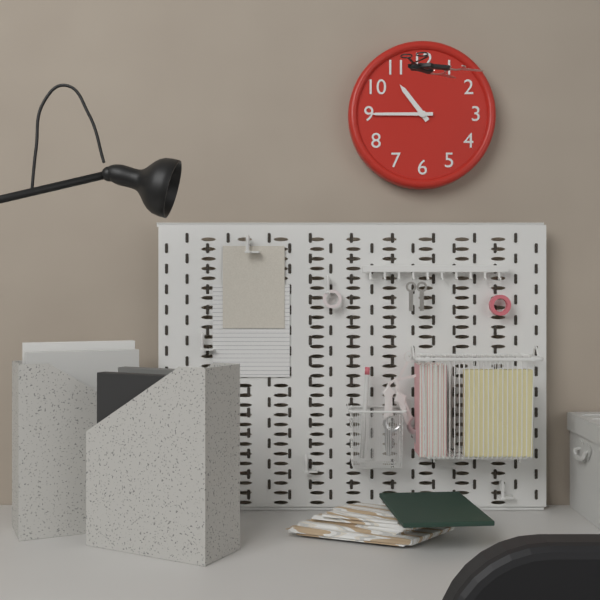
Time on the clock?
10:45
